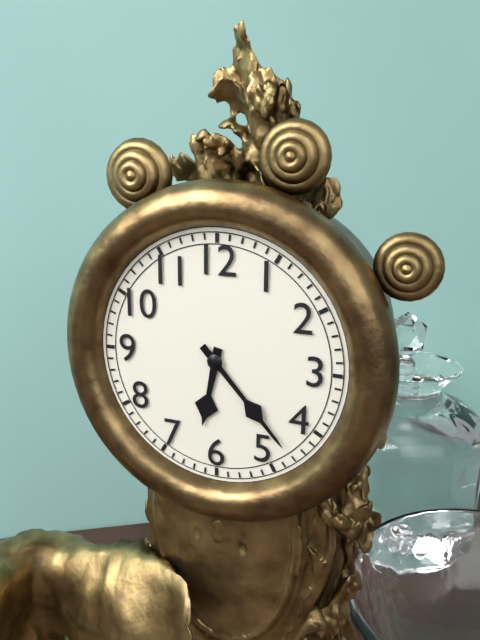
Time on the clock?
6:23
